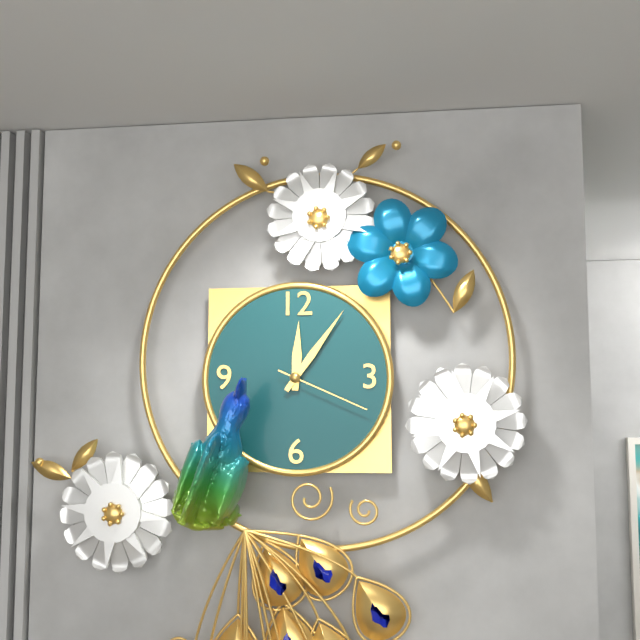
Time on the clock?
12:06:19
